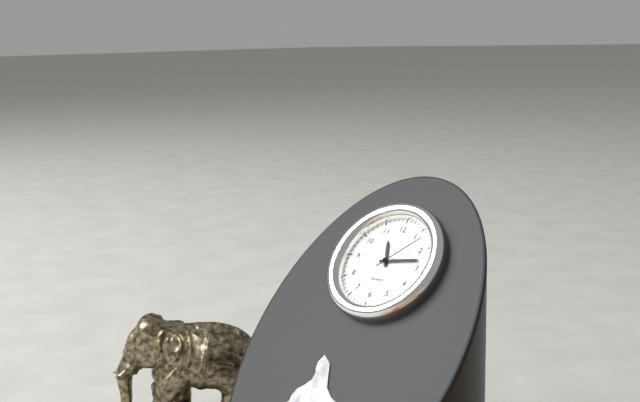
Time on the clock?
11:13:07
